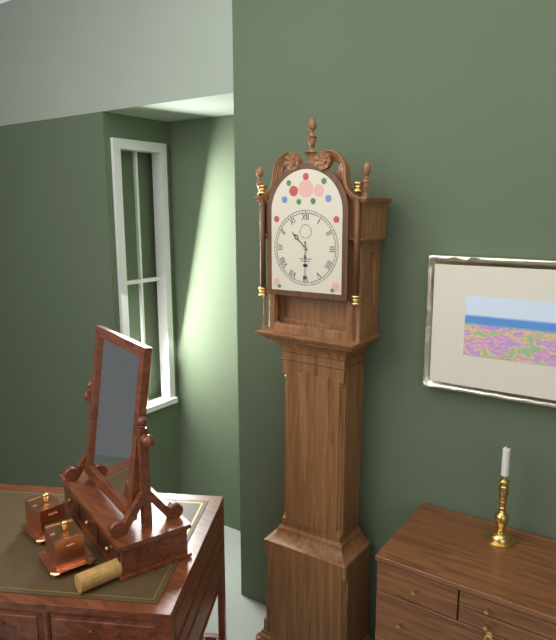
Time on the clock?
10:30
